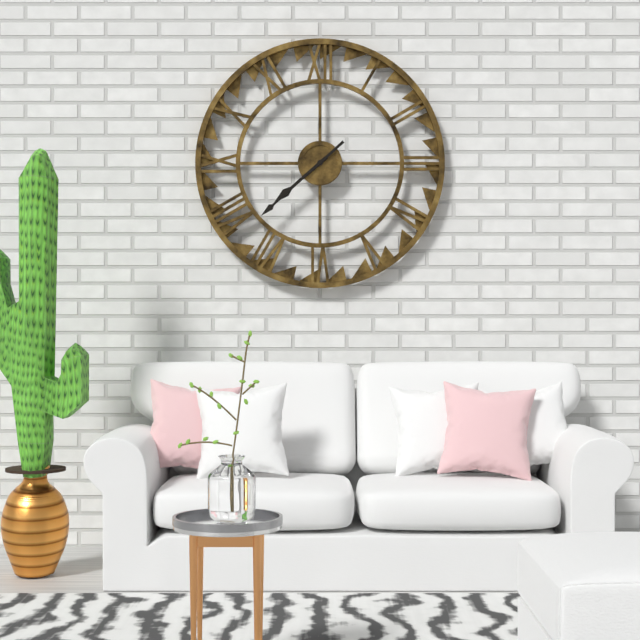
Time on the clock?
7:38
